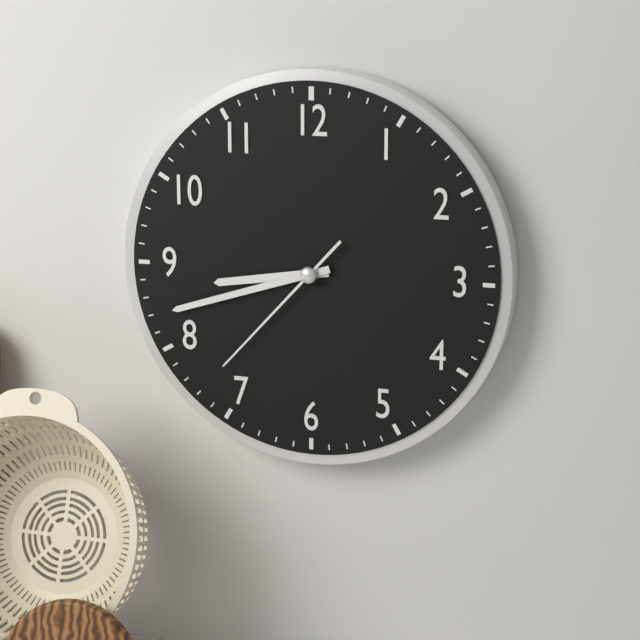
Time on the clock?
8:42:37
